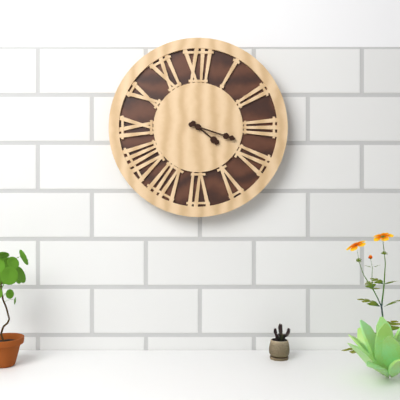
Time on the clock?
4:18
